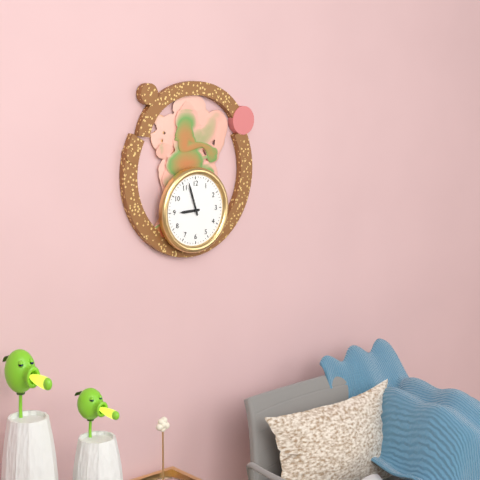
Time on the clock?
8:57
